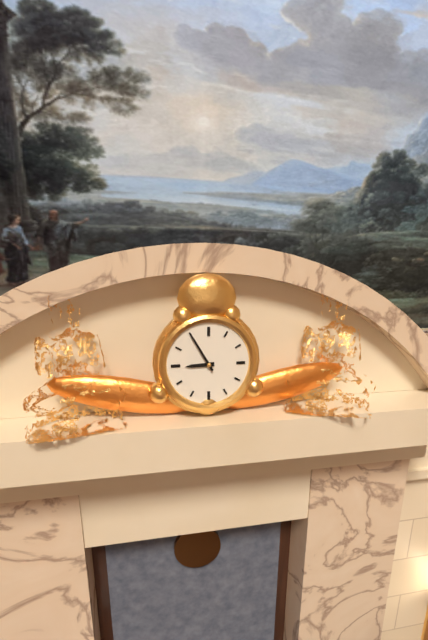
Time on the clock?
8:55
